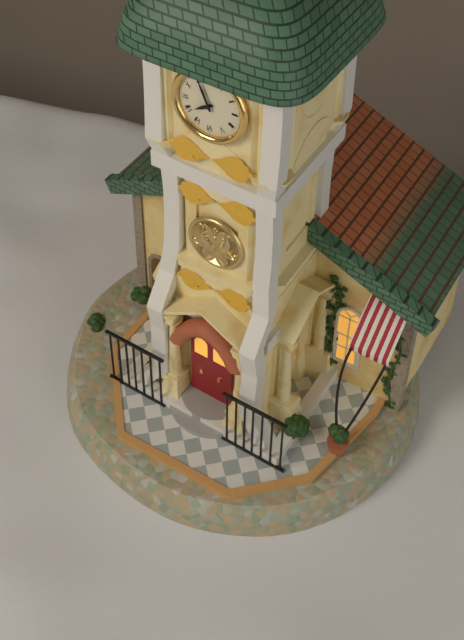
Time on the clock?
7:56
